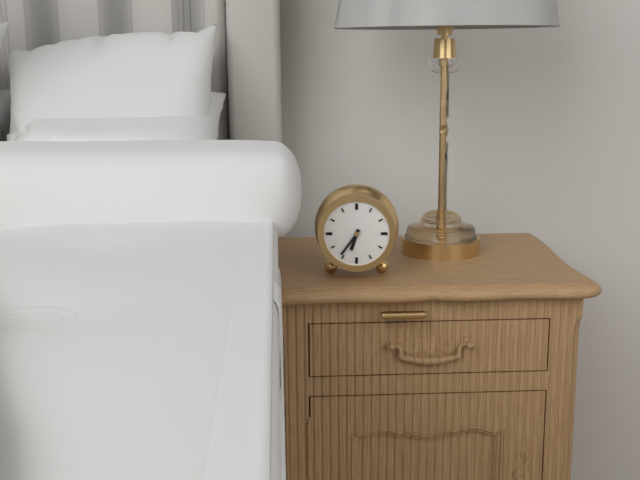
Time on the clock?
6:36
